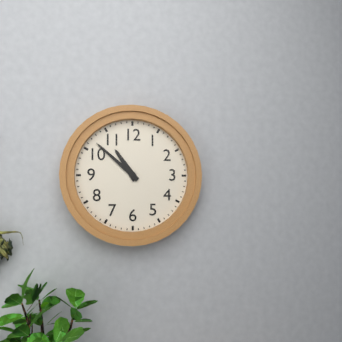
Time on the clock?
10:52
